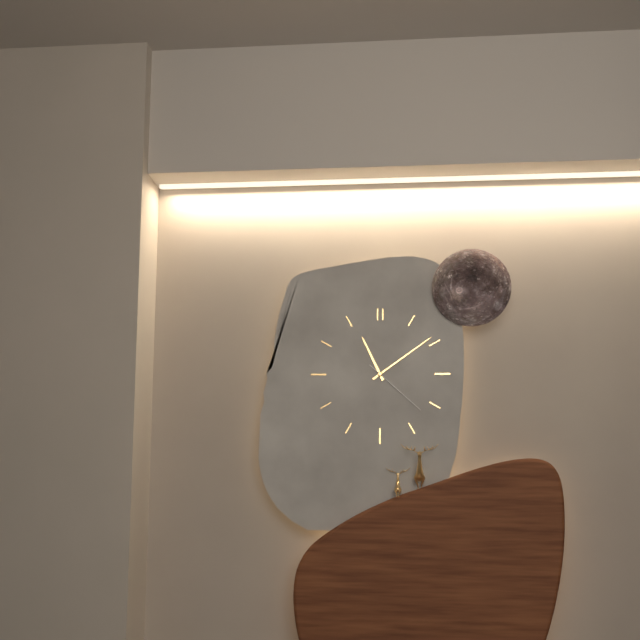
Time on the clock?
11:09:22
